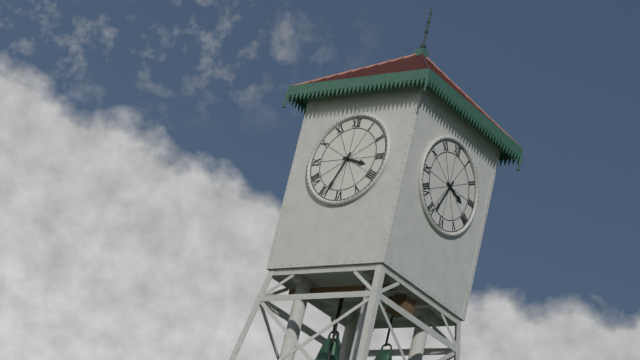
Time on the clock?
3:34
